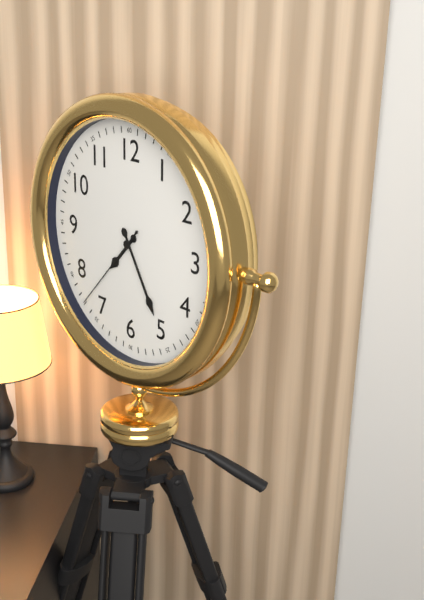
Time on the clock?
7:25:37
